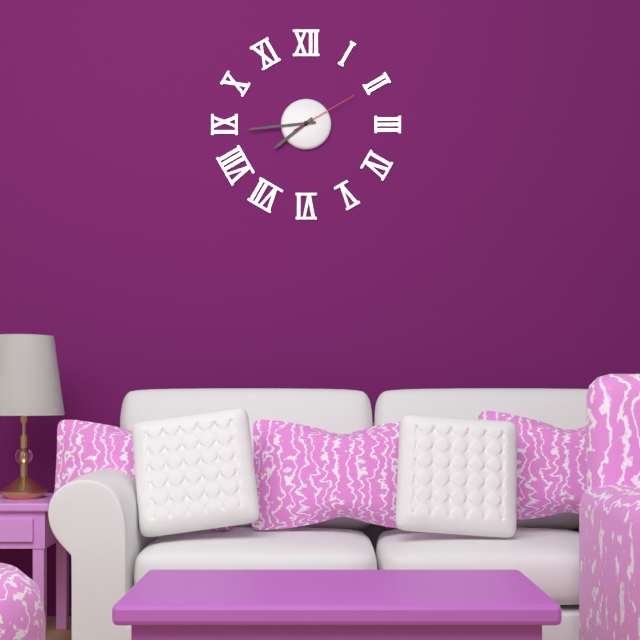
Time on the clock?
7:44:10
